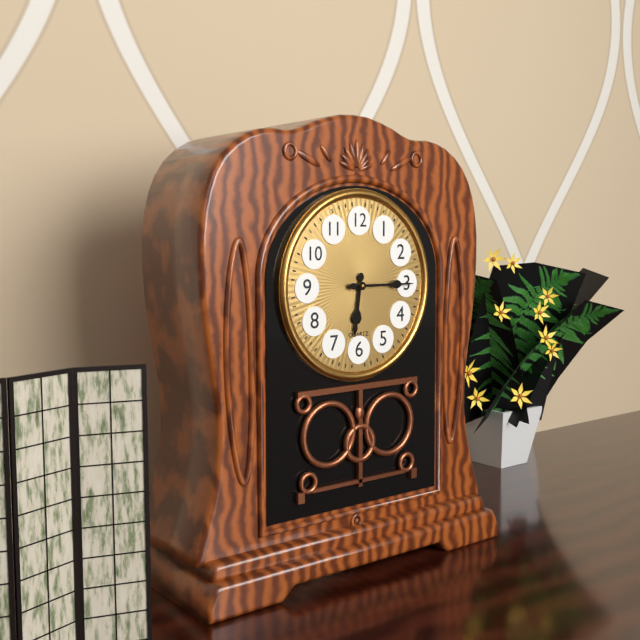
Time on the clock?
6:15
